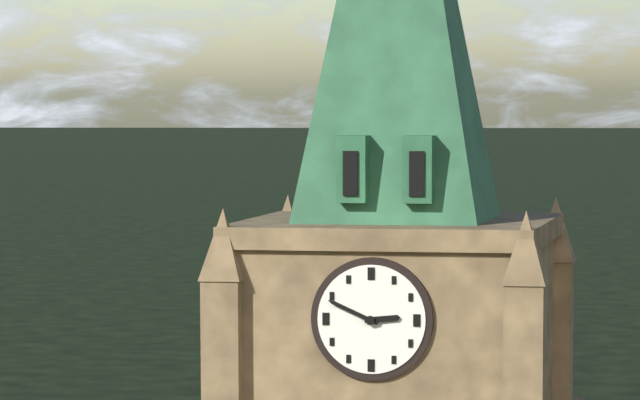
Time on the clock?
2:49
